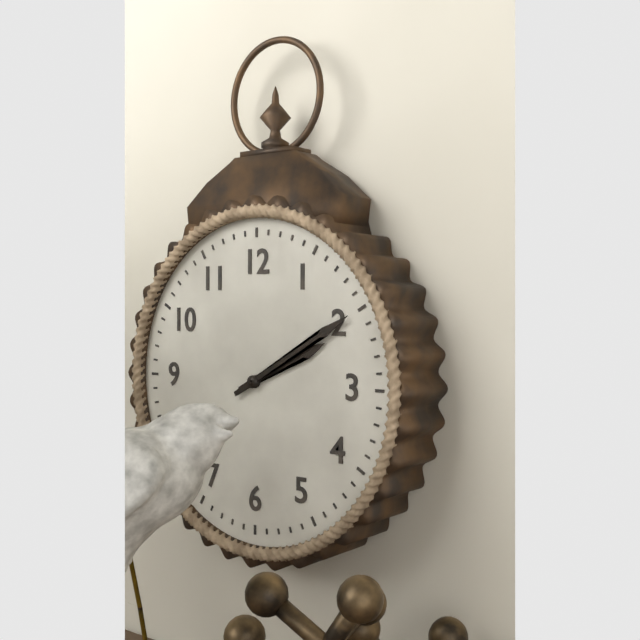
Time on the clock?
2:10
